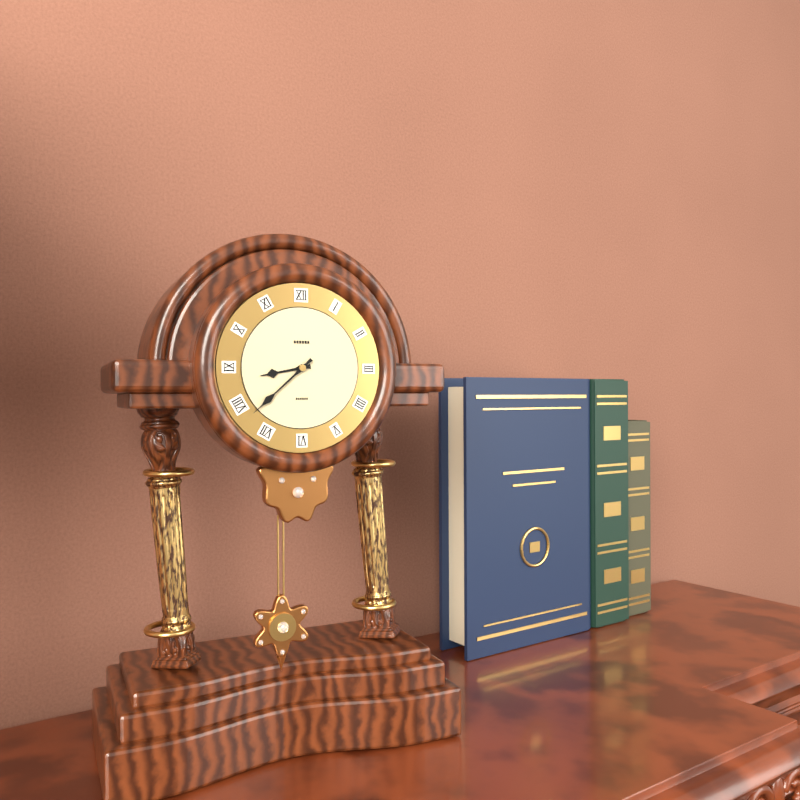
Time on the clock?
8:38
